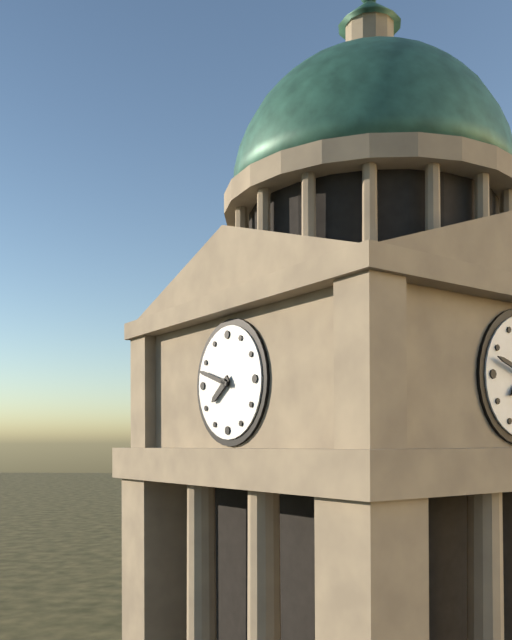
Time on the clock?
7:48
